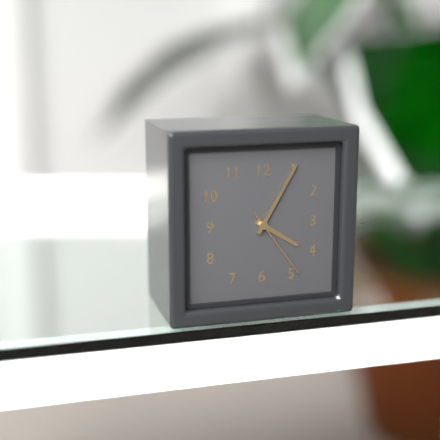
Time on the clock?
4:05:24
